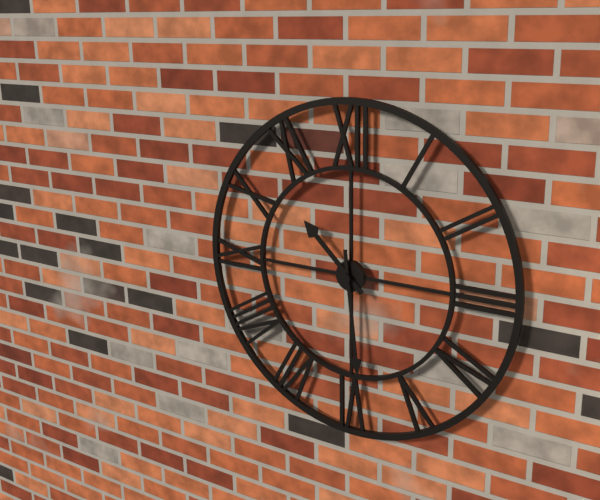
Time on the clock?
10:29
